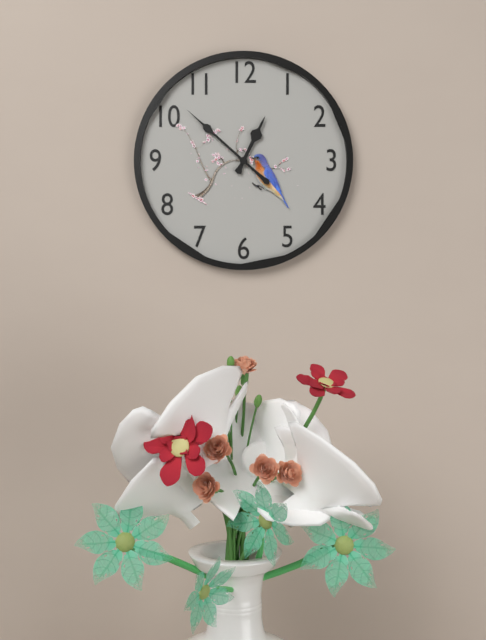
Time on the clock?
12:52
